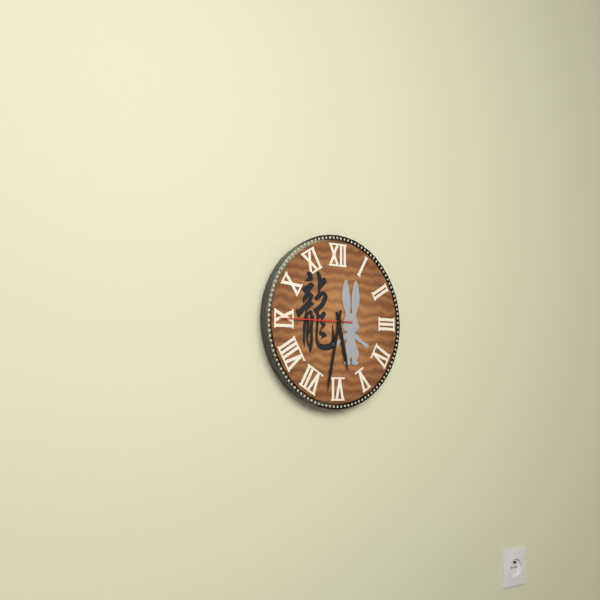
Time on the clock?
5:32:45
